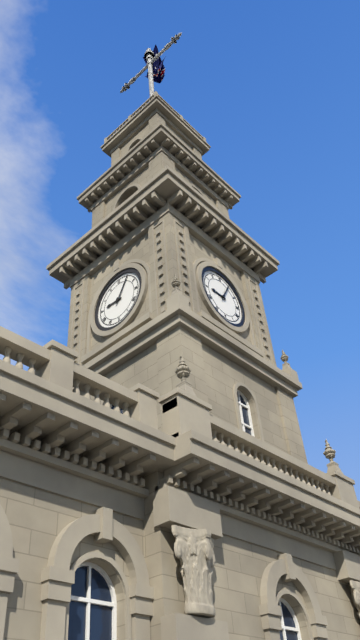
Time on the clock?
9:05
